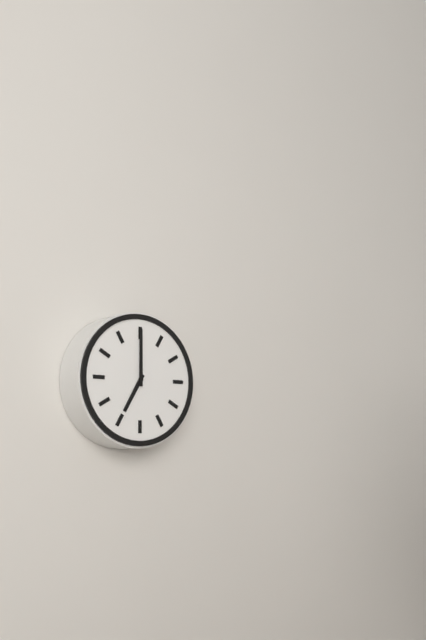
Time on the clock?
7:00
